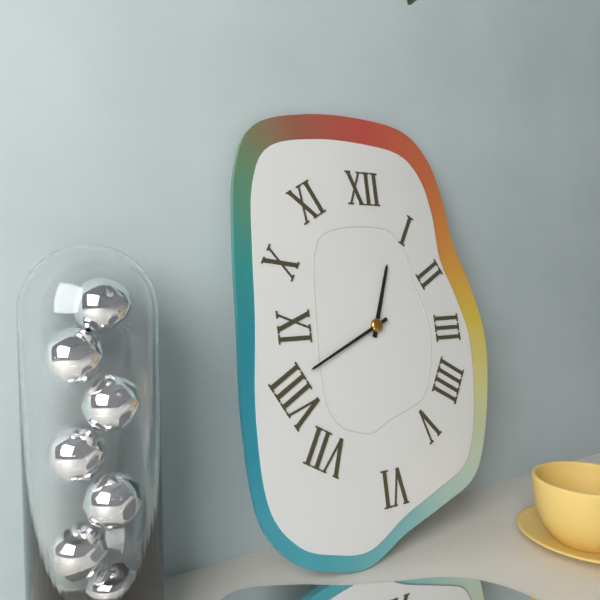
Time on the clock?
12:41
